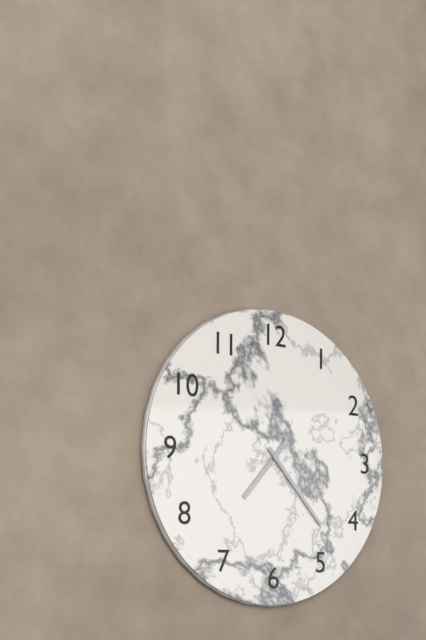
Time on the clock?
7:23
